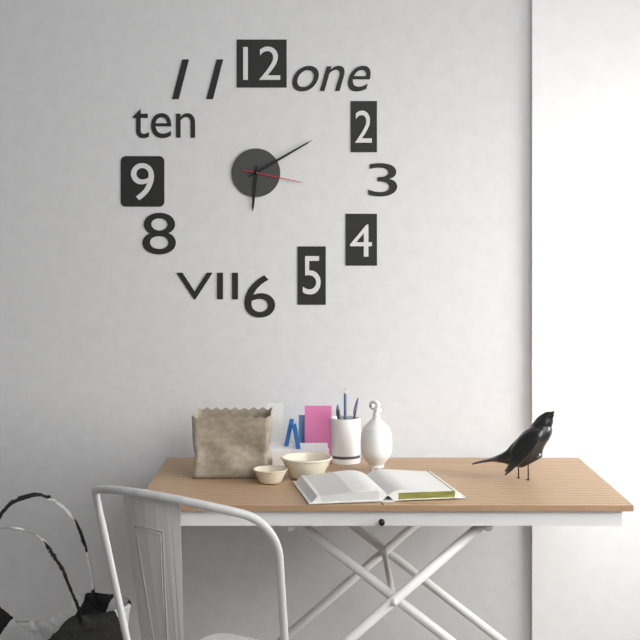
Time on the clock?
6:10:17
